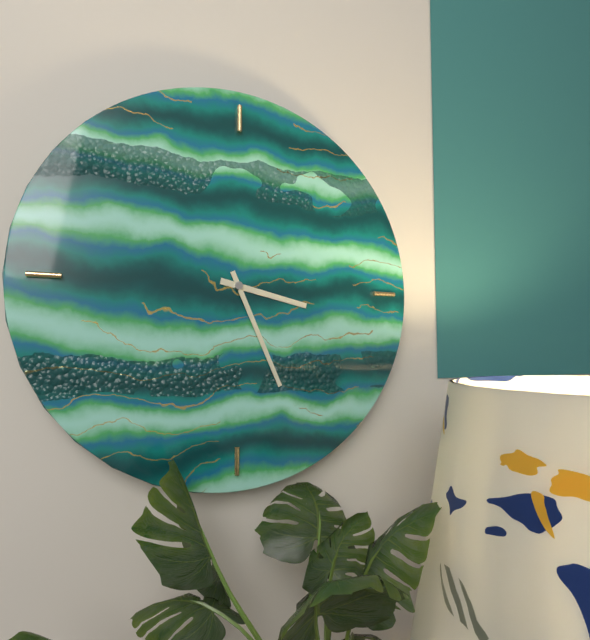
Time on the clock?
3:26
